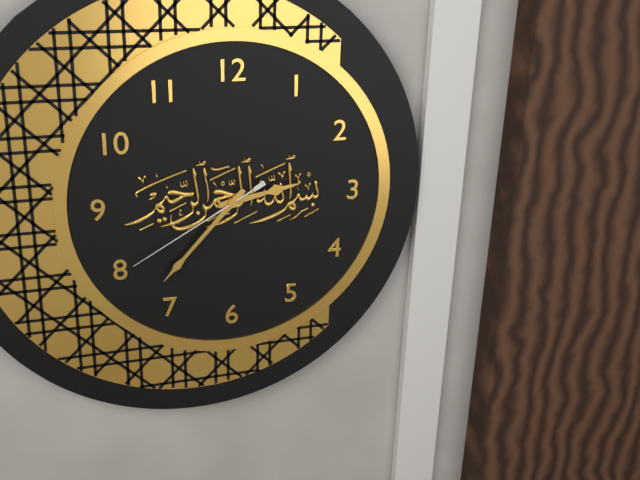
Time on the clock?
2:37:40
